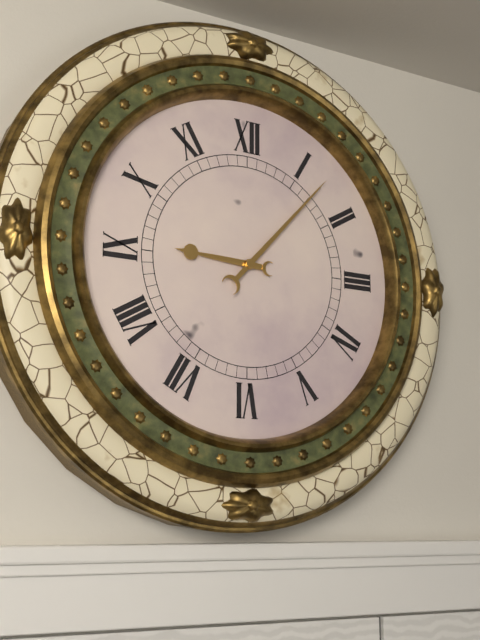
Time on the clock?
9:07
